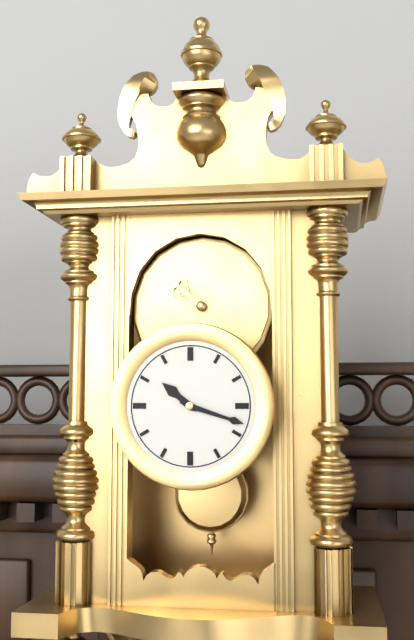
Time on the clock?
10:18
